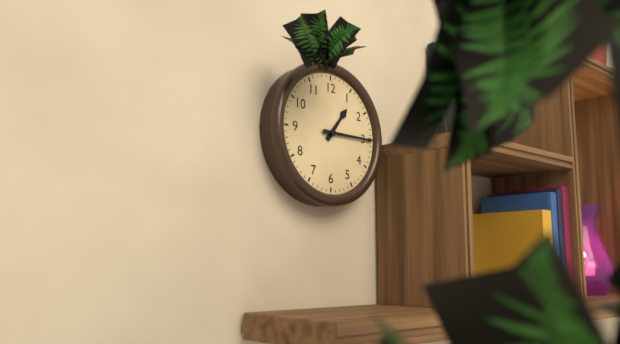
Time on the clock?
1:15
